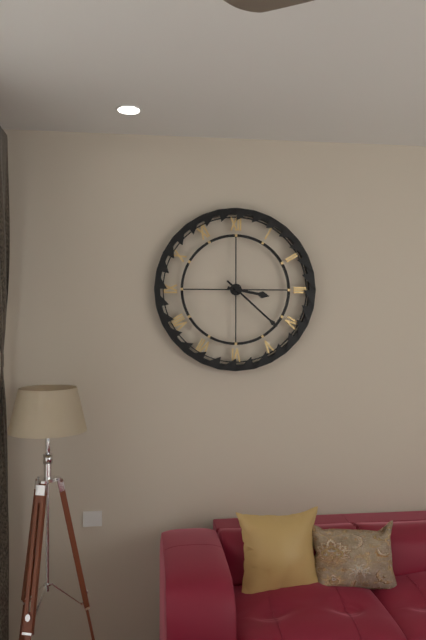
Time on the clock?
3:22
